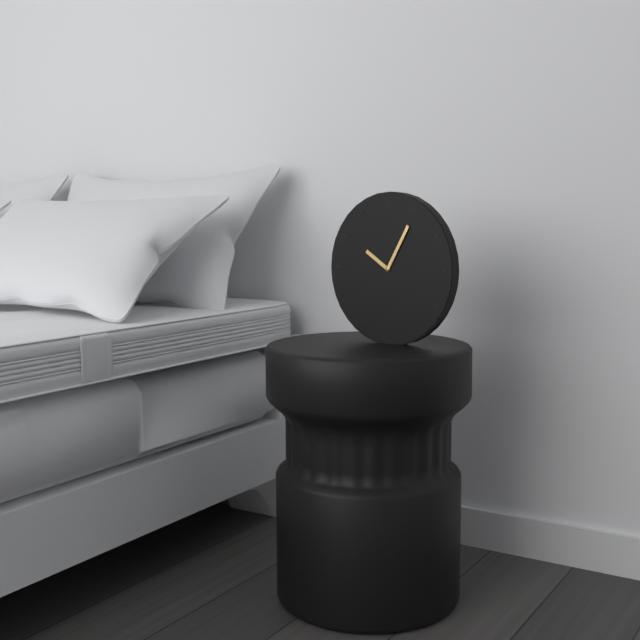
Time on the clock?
10:05
